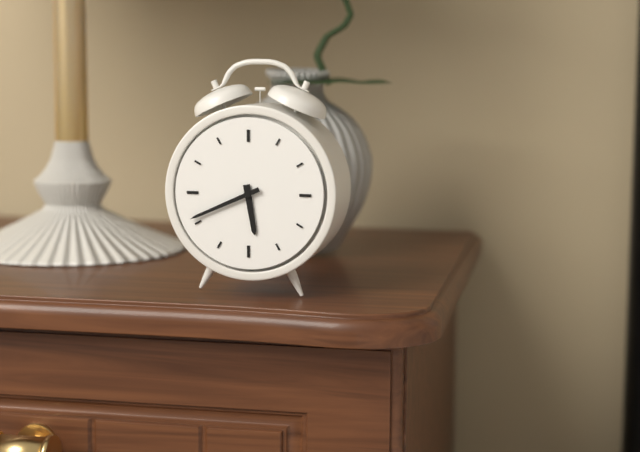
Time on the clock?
5:41
